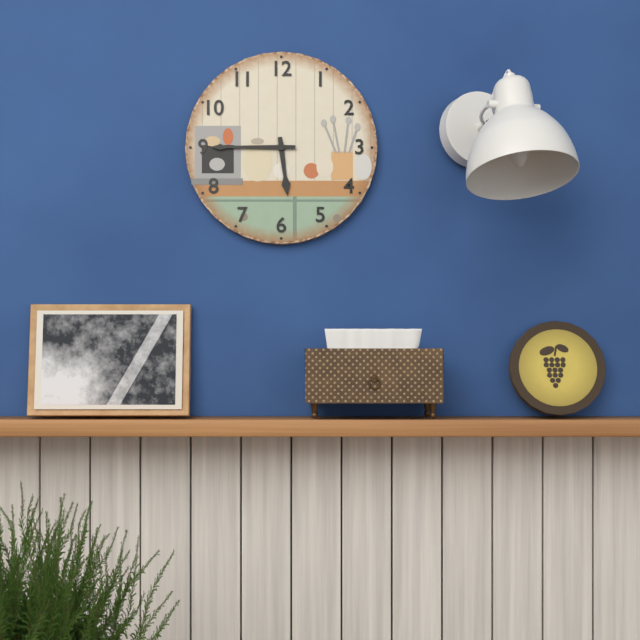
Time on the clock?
5:45
